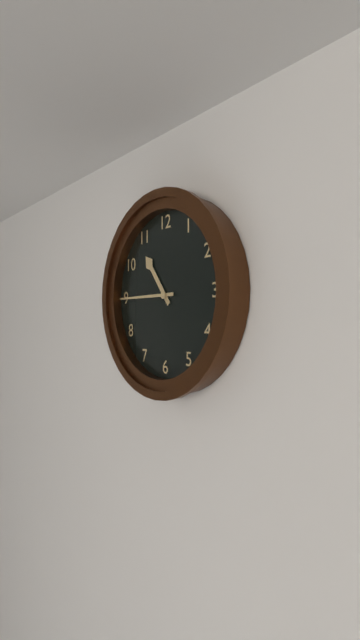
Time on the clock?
10:45
